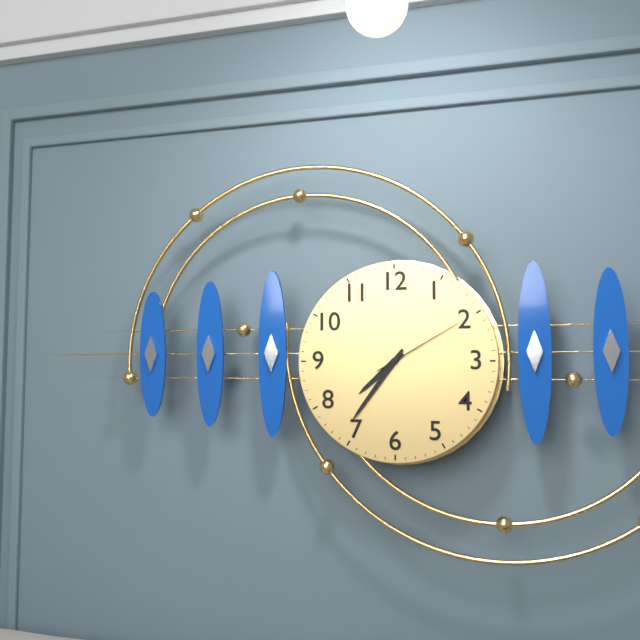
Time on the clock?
7:36:10
